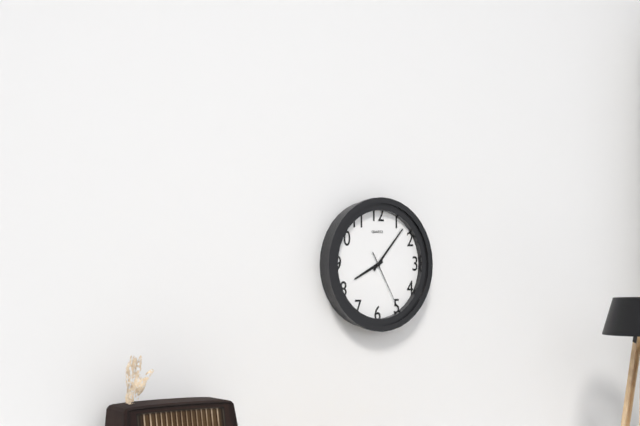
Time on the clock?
8:07:25
